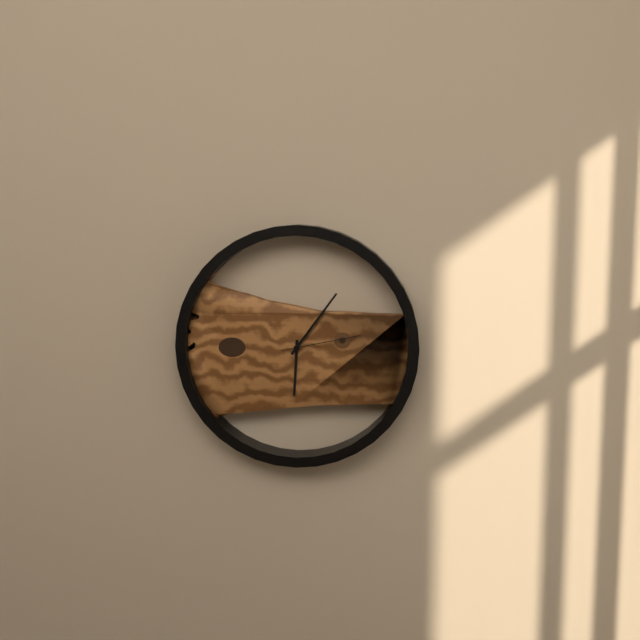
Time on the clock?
6:06:13
